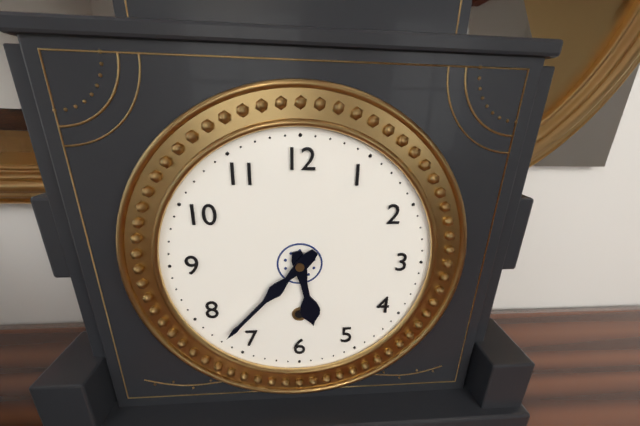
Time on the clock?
5:37
